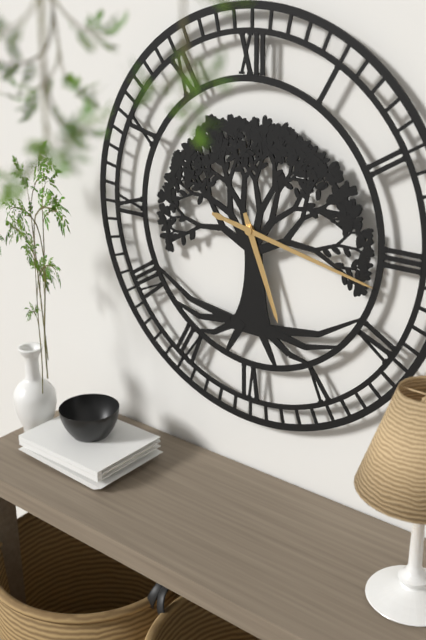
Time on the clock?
5:17
